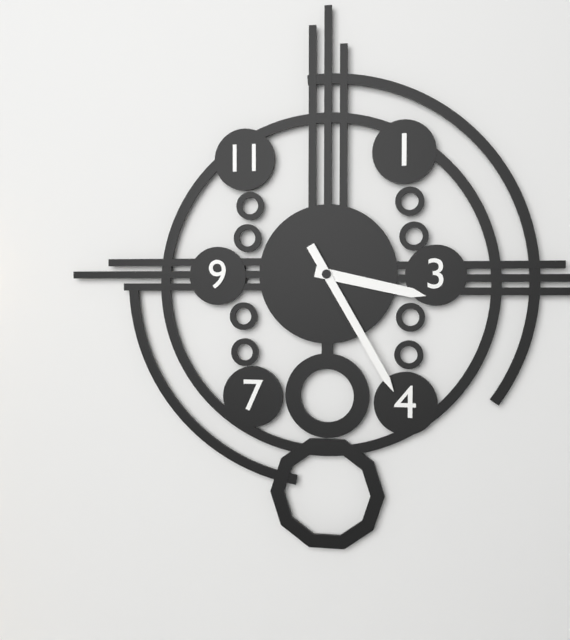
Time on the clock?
3:25
